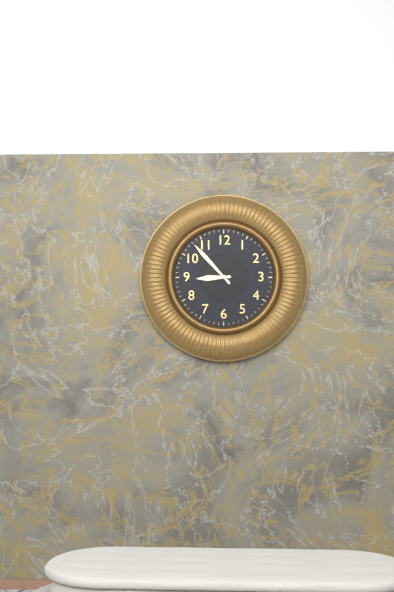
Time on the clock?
8:53
